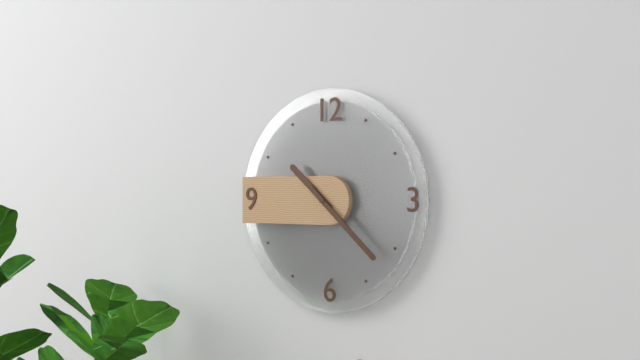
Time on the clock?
10:22
